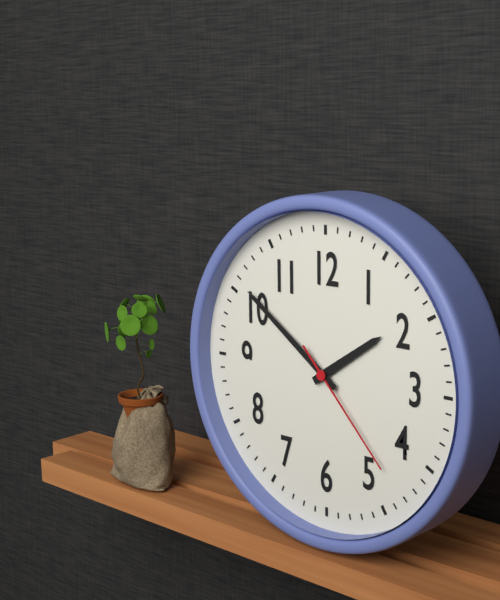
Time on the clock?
1:51:23
